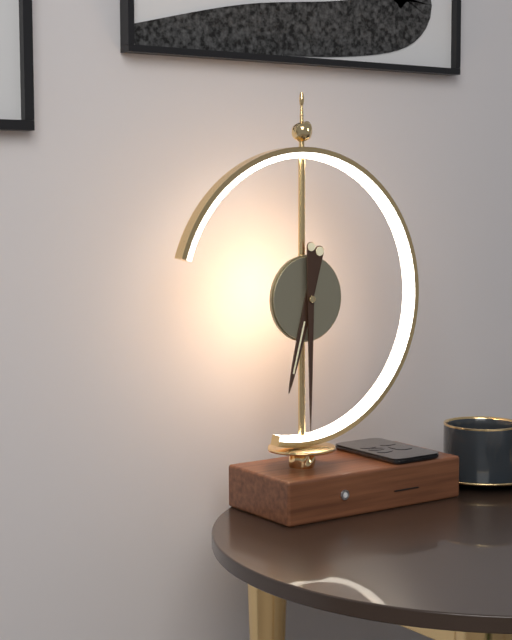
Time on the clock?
6:30
